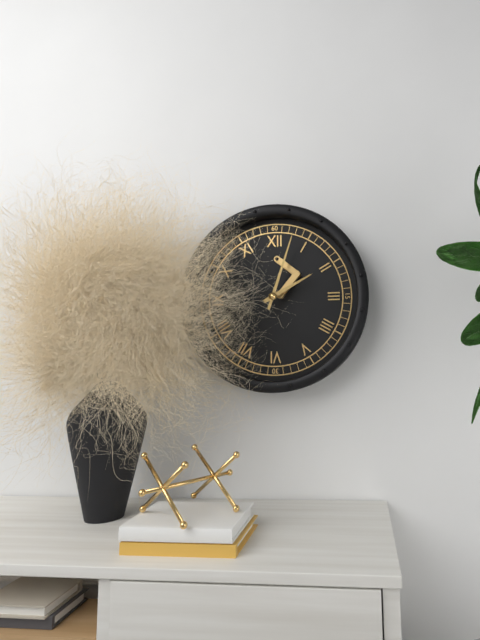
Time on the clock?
2:03
